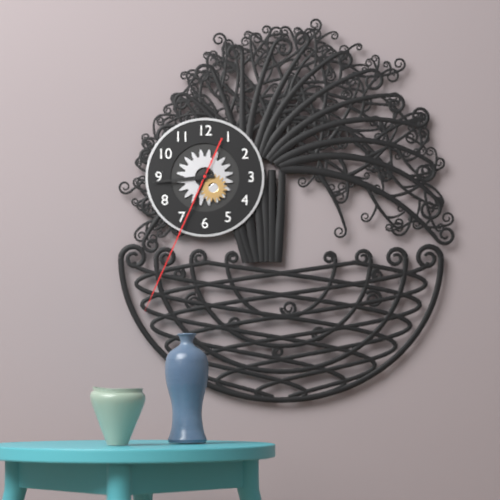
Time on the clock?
6:44:34
